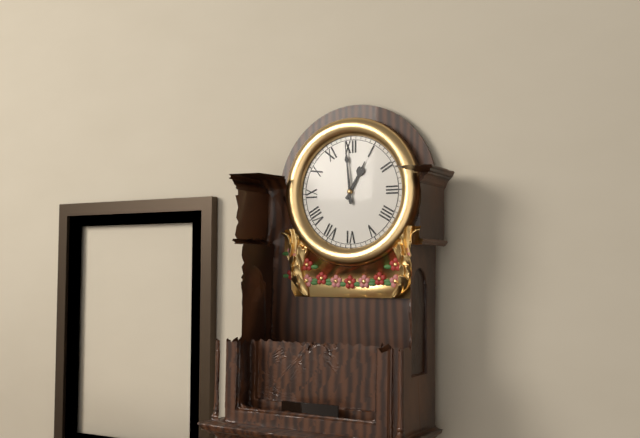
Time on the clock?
12:59
